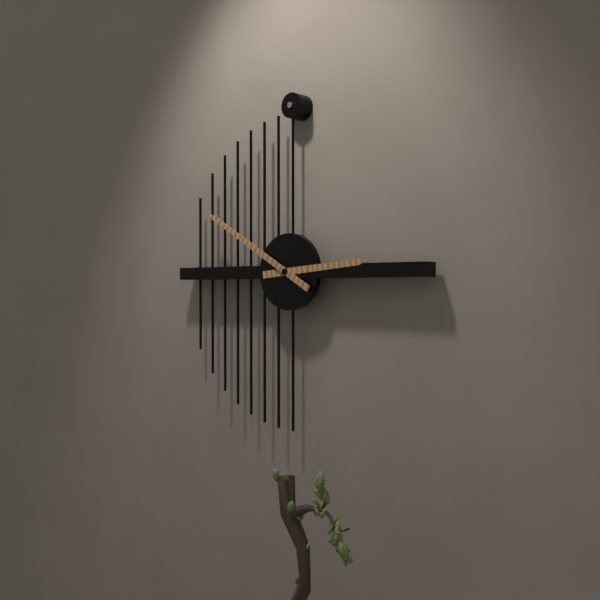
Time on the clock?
2:50
